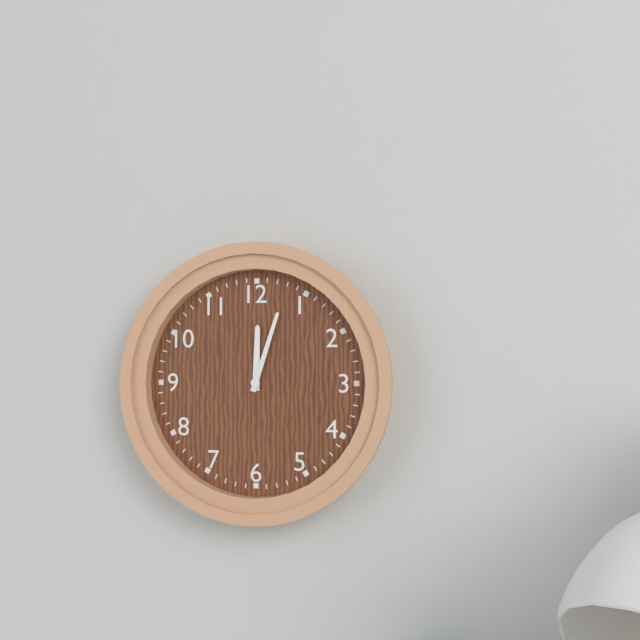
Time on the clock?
12:03
